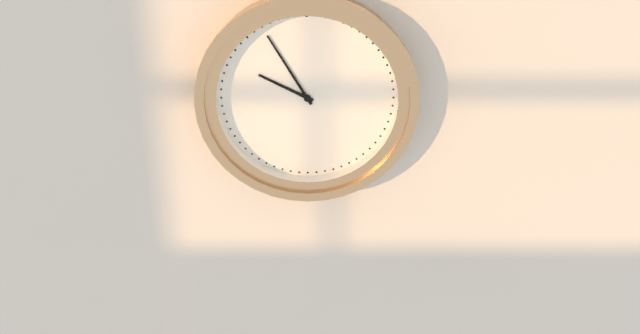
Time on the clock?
9:55
